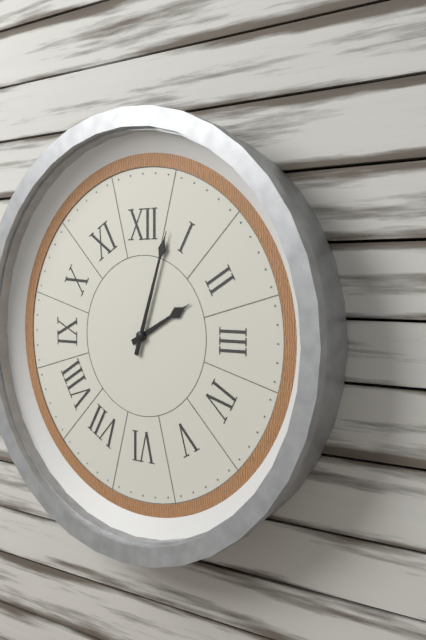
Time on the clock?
2:03
